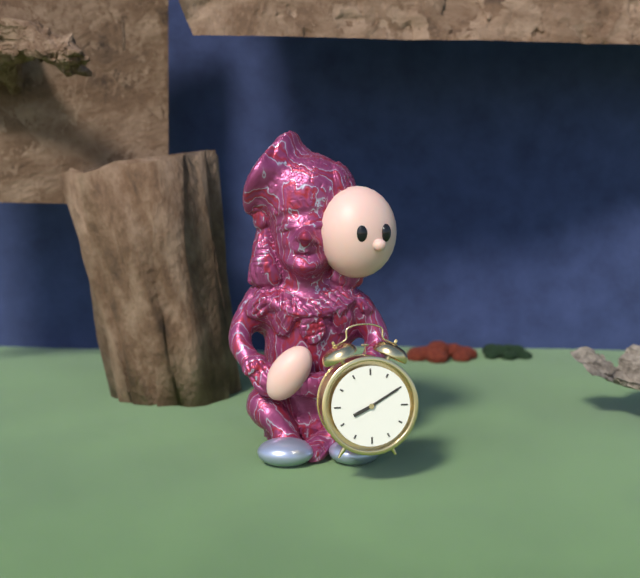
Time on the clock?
8:10
